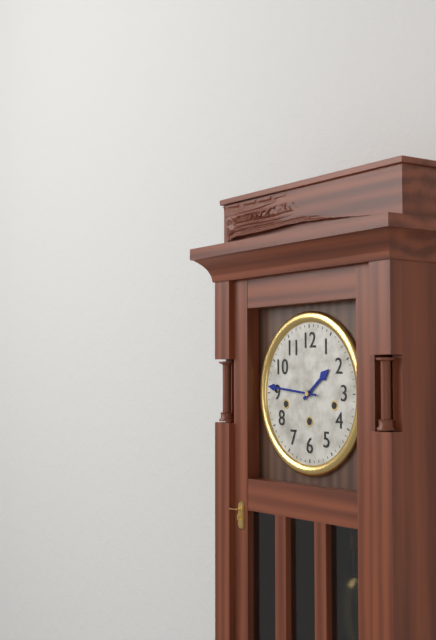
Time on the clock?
1:46
